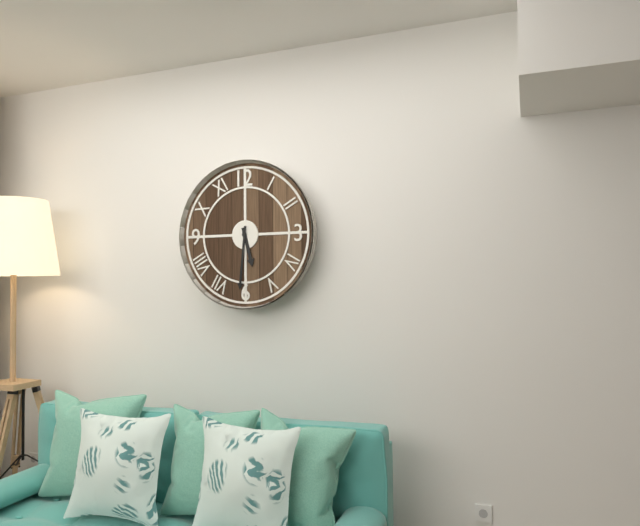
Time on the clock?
5:31
